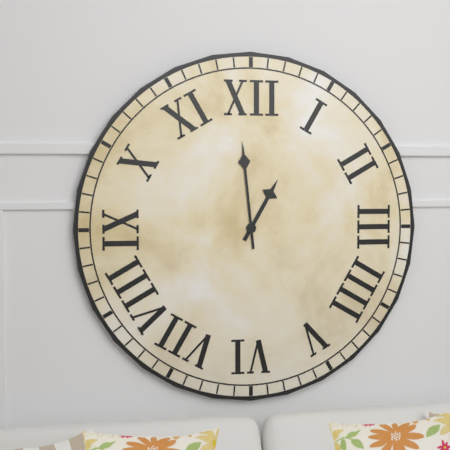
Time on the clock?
12:59
